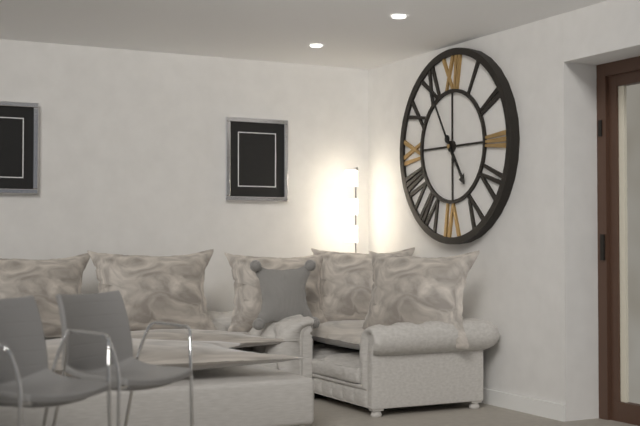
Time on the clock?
4:55
